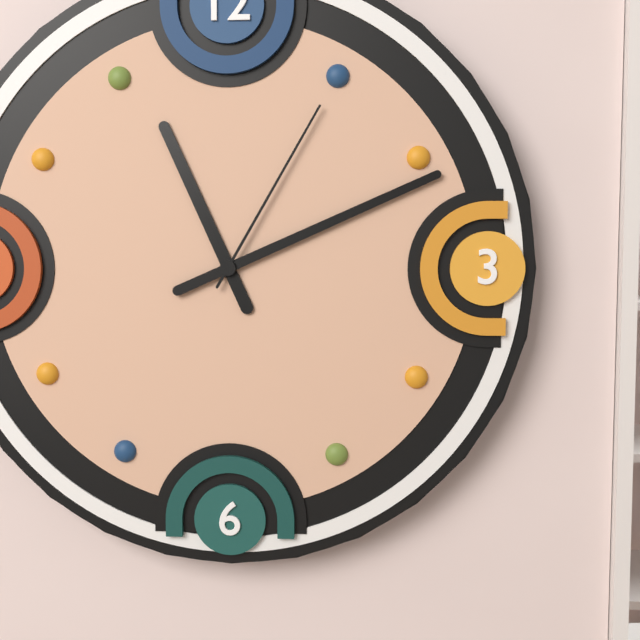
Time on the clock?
11:11:05
